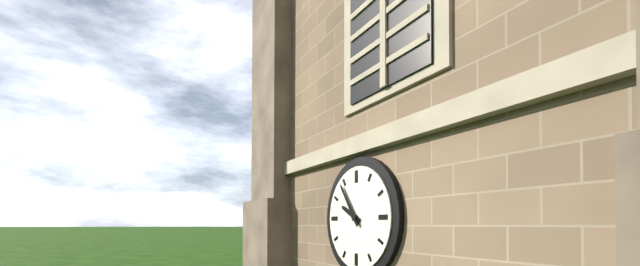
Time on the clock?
9:54
